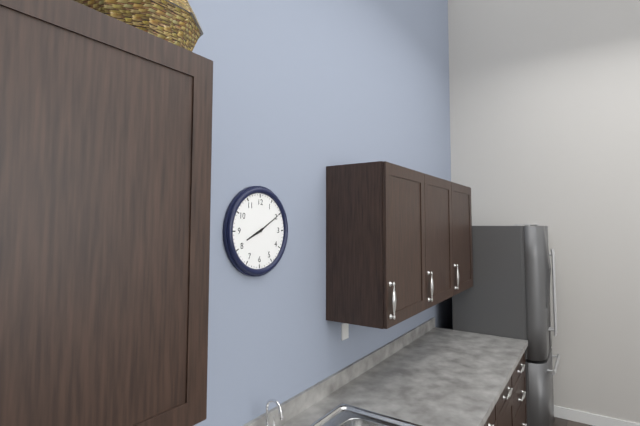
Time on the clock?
8:10
